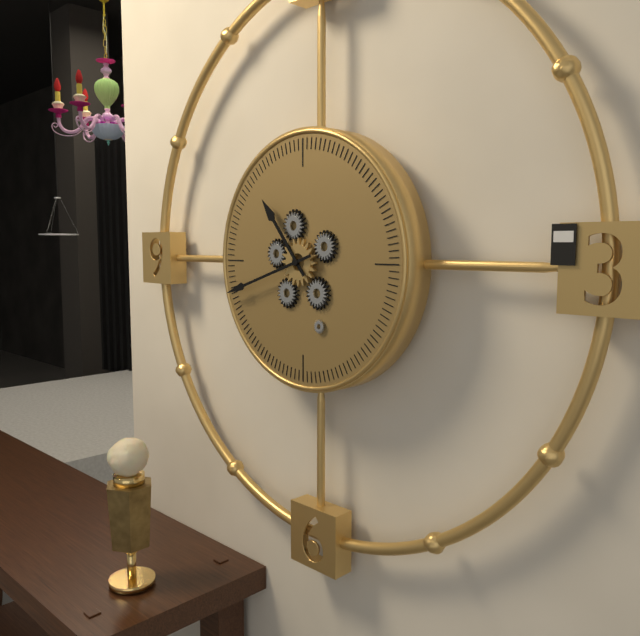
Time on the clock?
10:42
